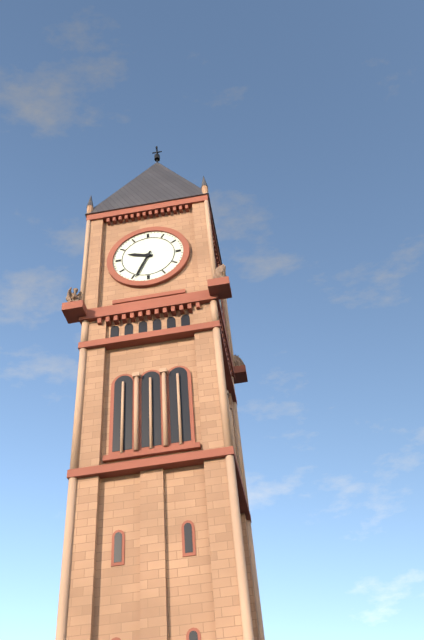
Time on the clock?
9:34
